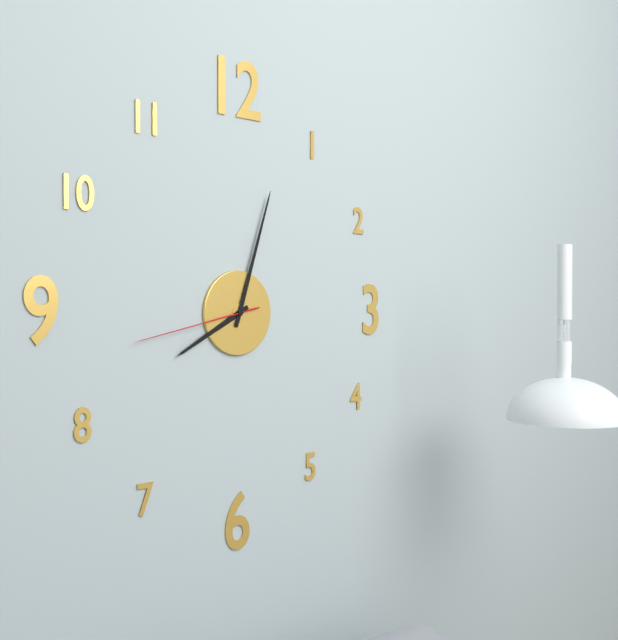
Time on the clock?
8:03:43
